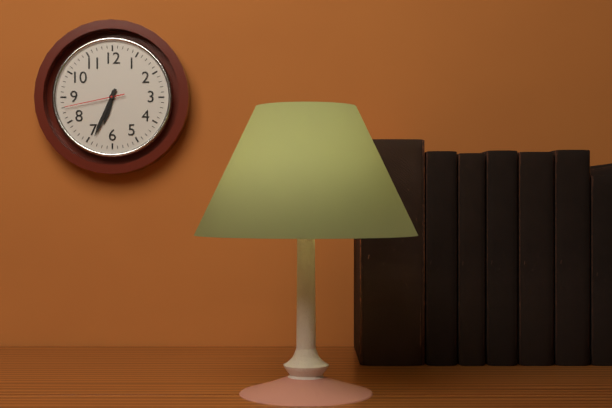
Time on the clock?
6:34:43
